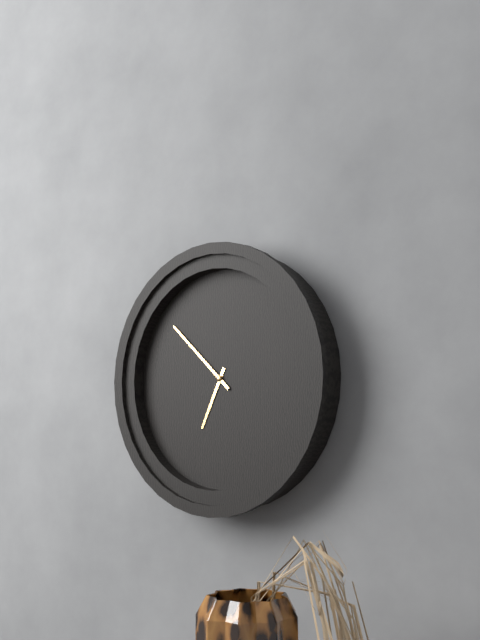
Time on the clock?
6:52
